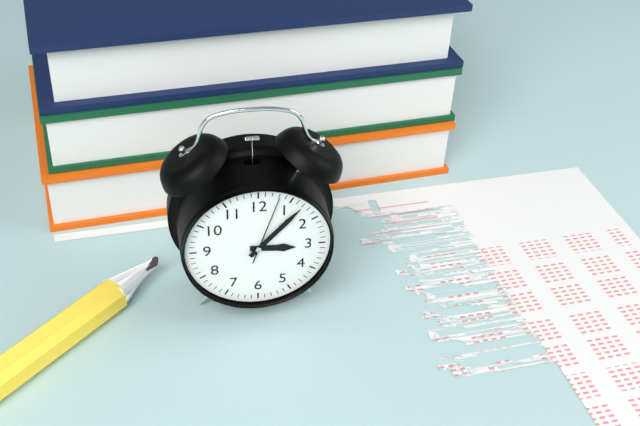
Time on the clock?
3:07:03
